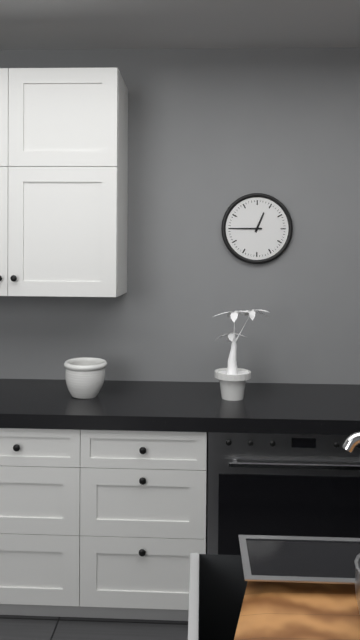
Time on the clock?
12:45
